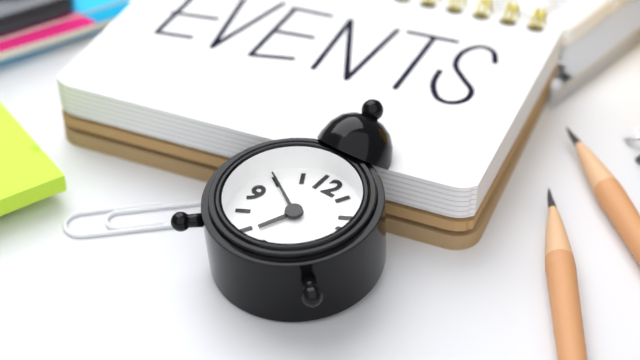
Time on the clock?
6:50
